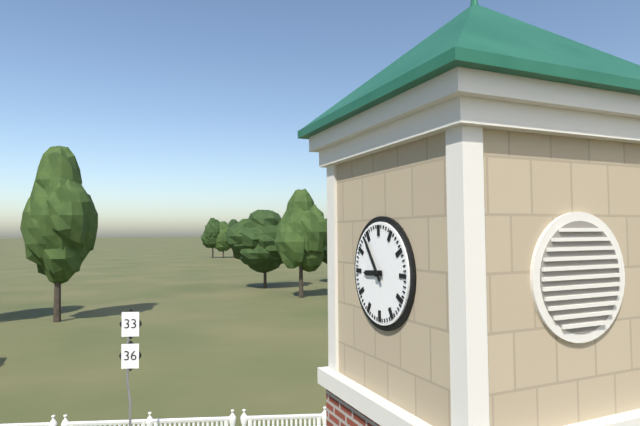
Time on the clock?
8:54
